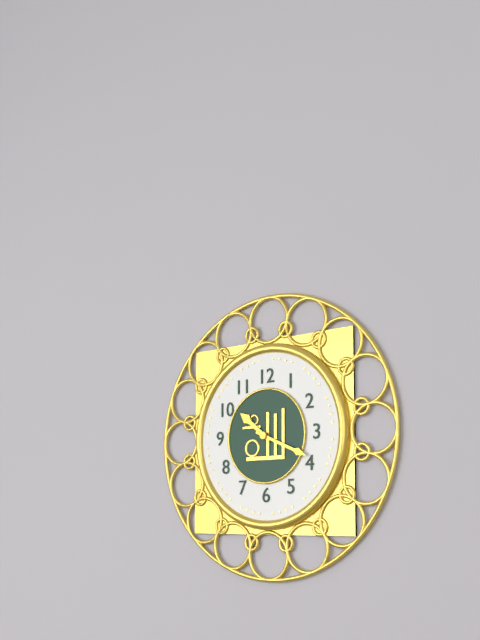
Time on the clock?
10:19
